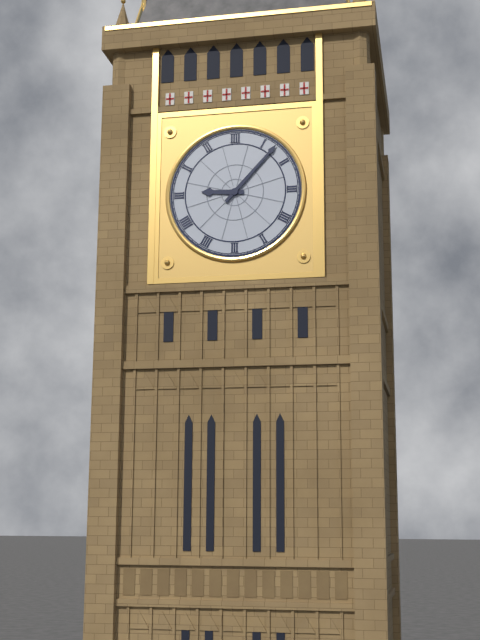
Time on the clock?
9:07
